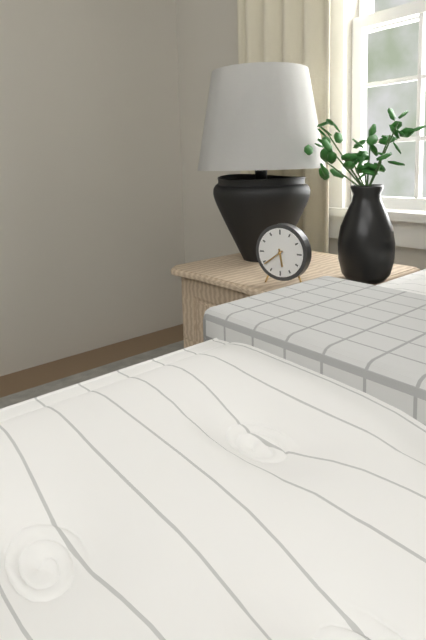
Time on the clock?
5:39
